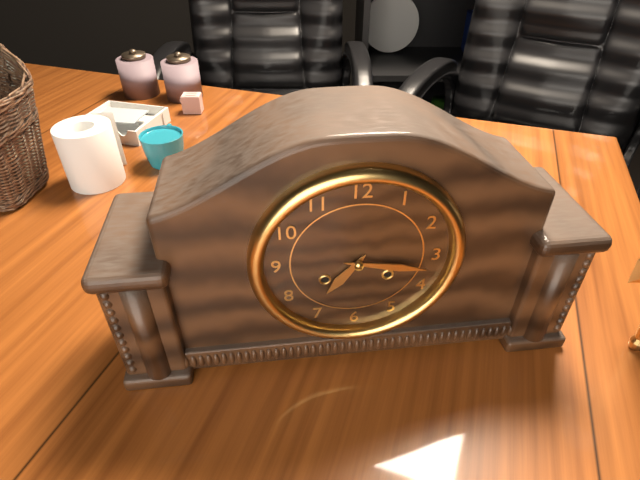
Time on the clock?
7:17
